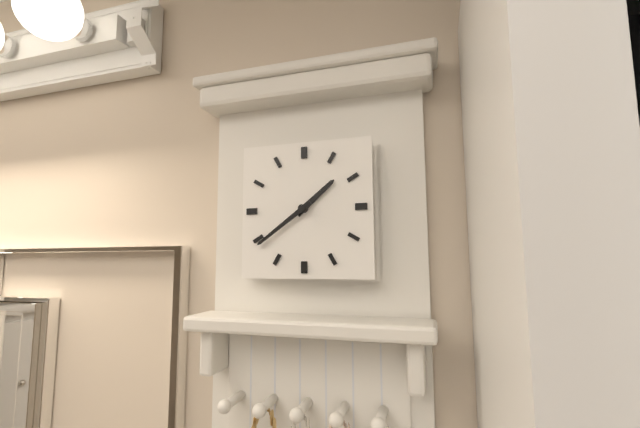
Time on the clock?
1:39
